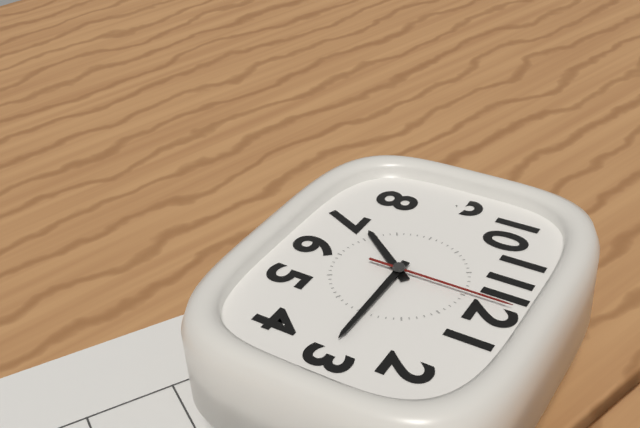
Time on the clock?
7:15:00
